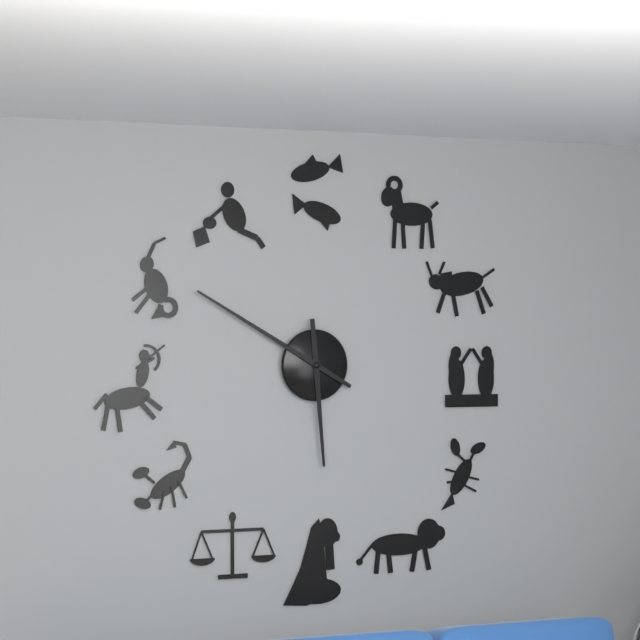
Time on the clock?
5:50
